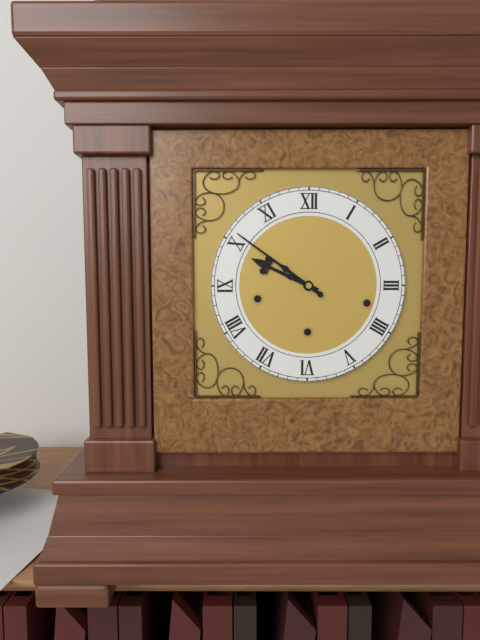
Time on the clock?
9:51
